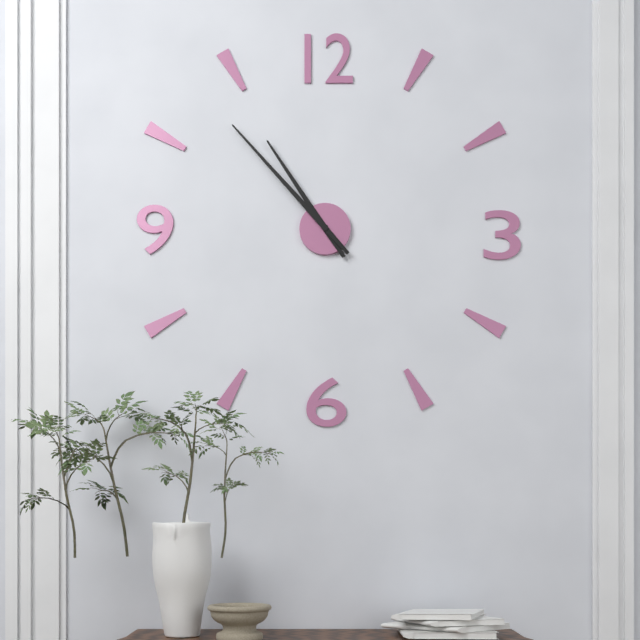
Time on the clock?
10:53
